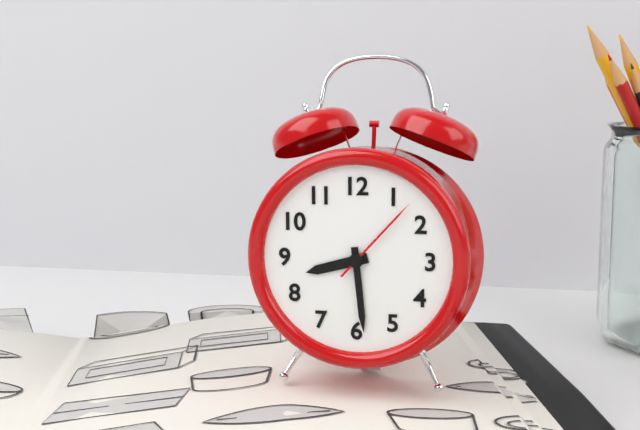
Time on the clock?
8:29:07
